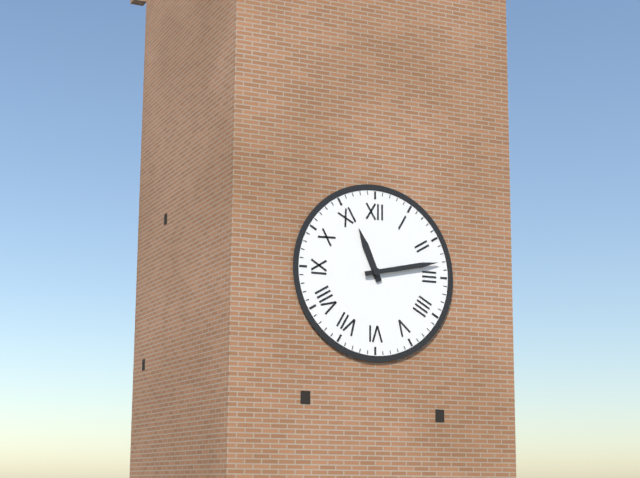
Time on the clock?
11:13
